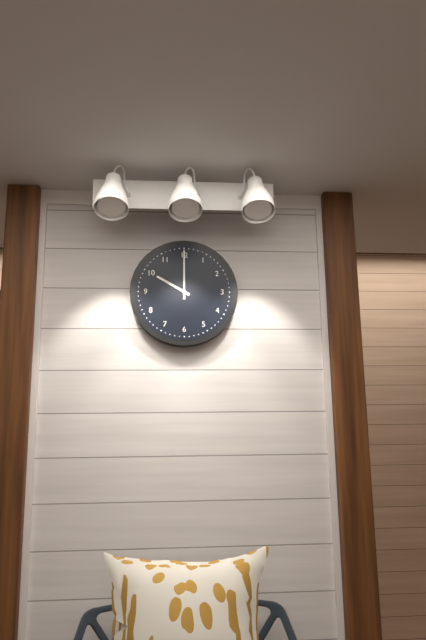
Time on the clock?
10:00
